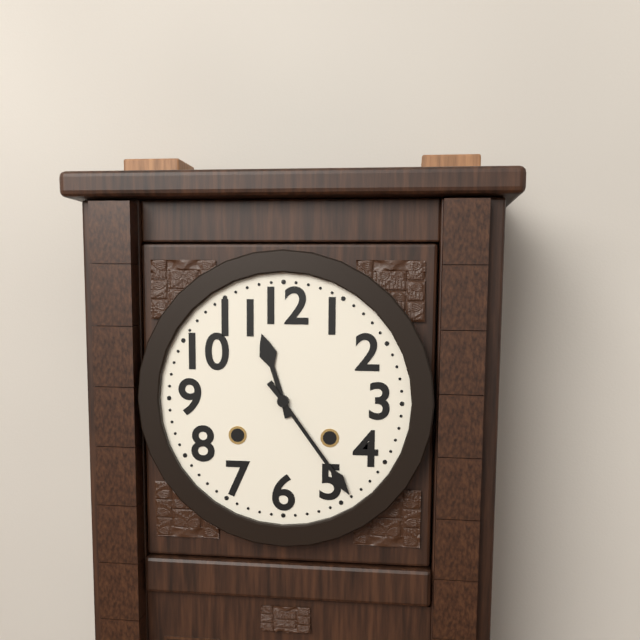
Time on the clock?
11:24
